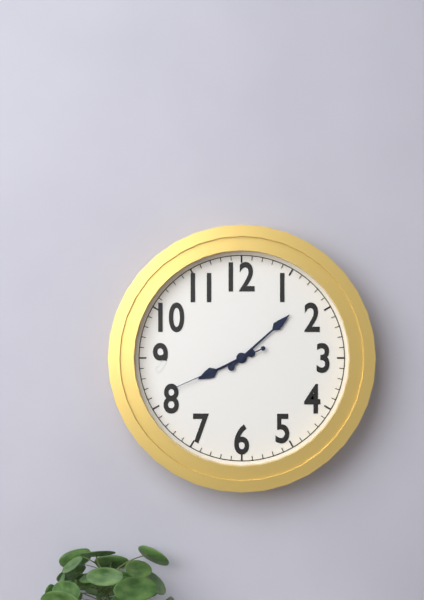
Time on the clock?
8:08:41
